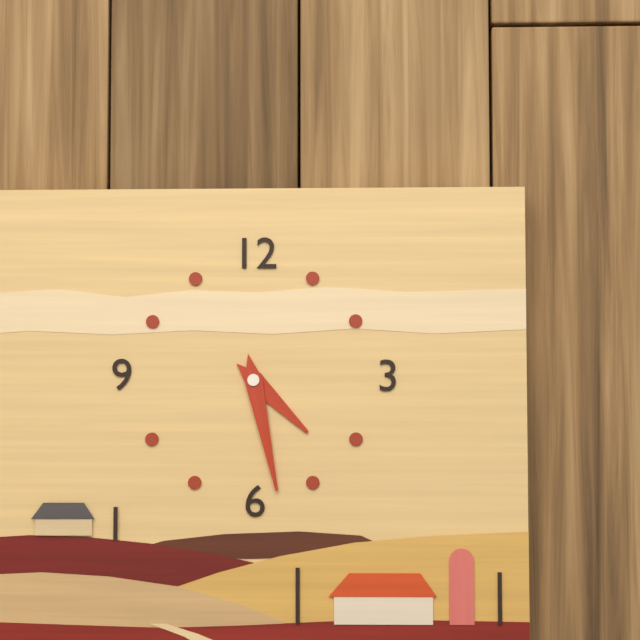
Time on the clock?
4:28
